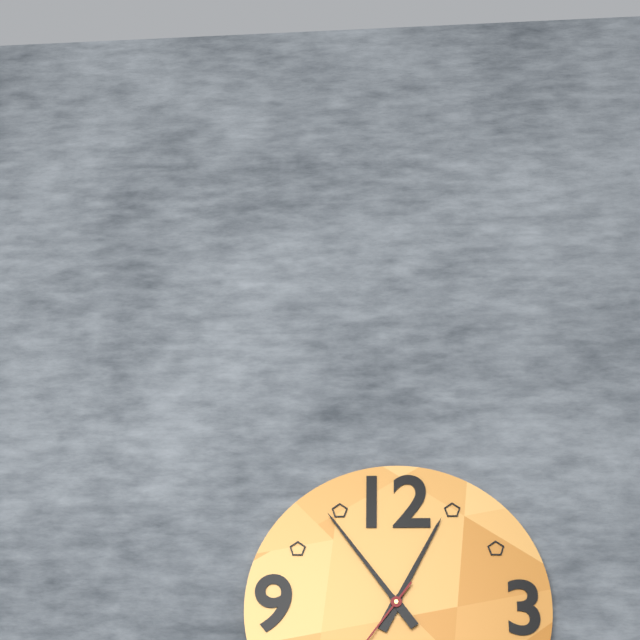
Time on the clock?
12:54
